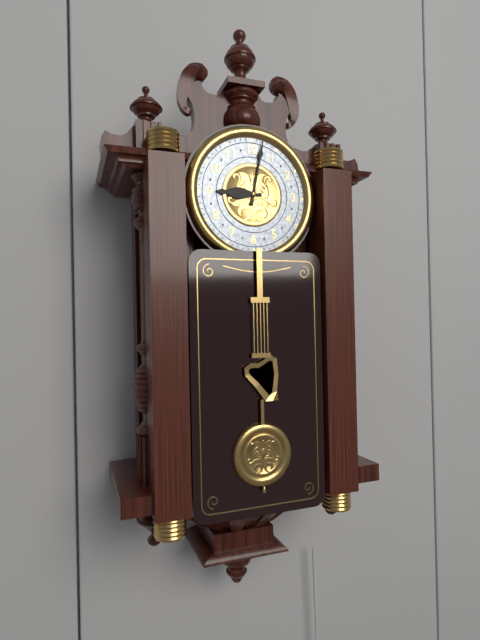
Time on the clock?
9:02
